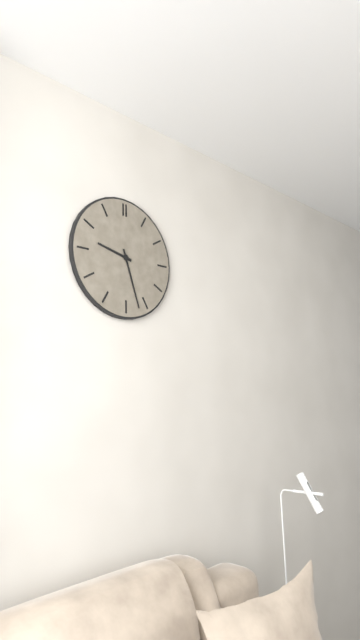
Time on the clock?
9:27
